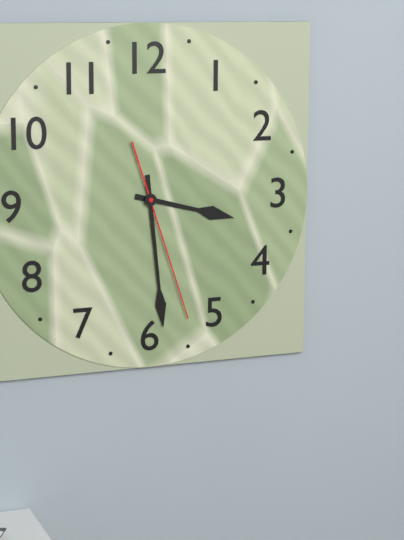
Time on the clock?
3:29:27
